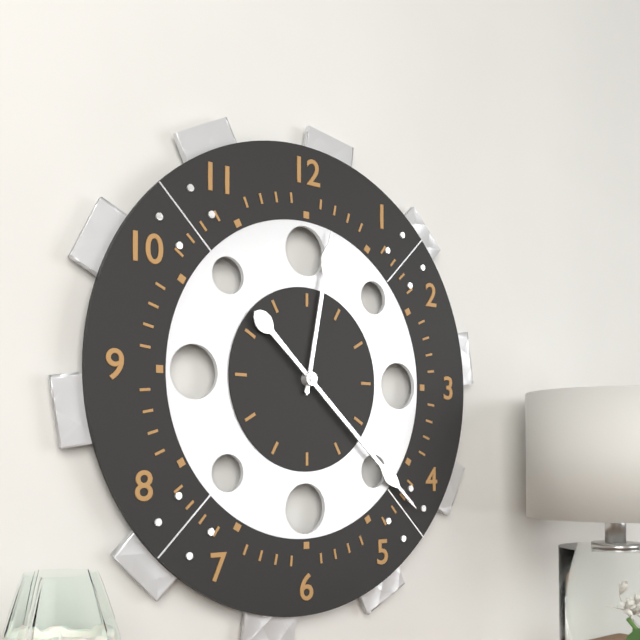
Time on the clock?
12:22
